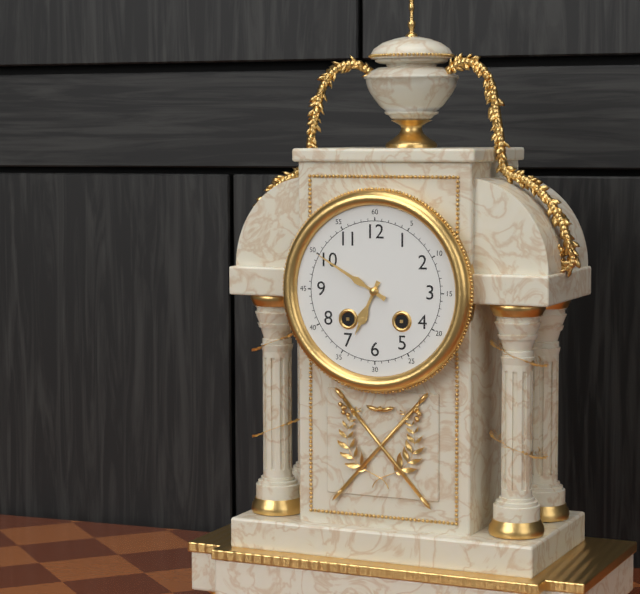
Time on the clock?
6:50
